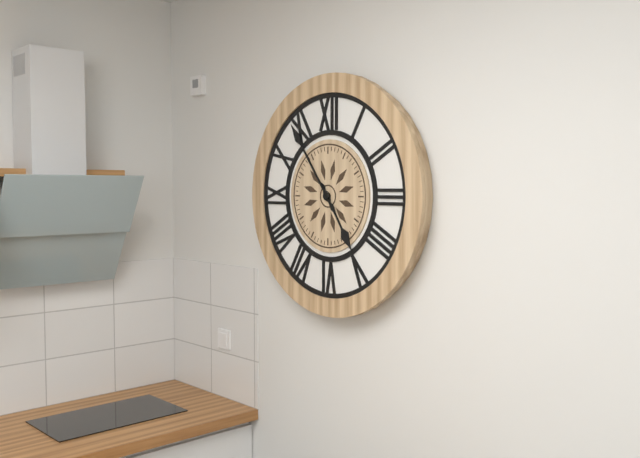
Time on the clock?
4:54
